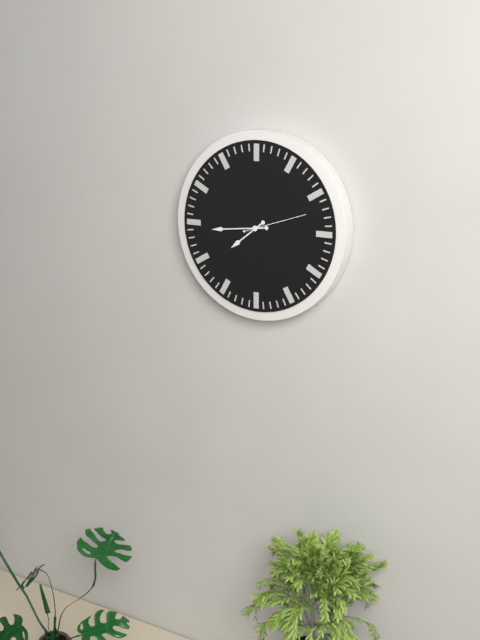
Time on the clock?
7:44:12
